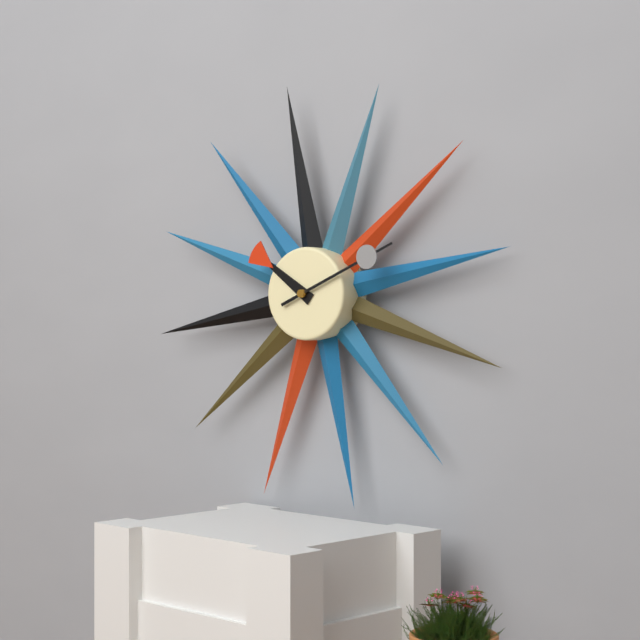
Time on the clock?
10:11
